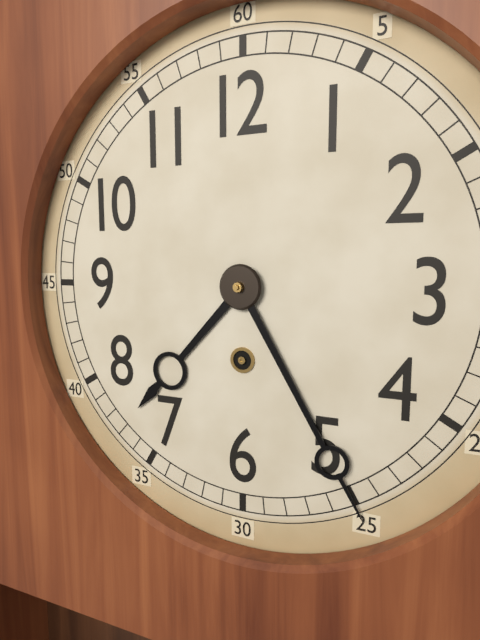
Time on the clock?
7:25
